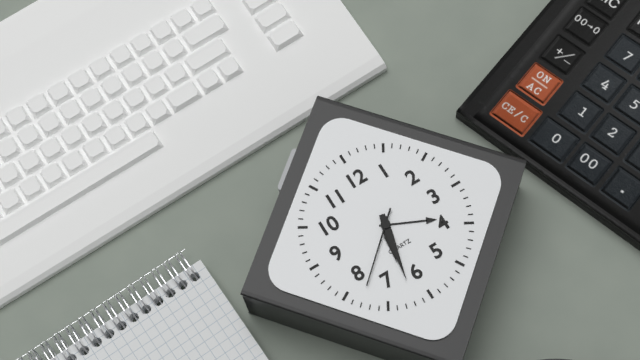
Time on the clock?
6:32:38
